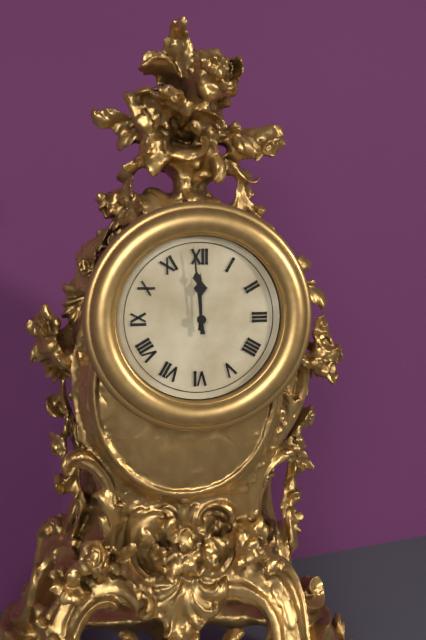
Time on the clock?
11:59
